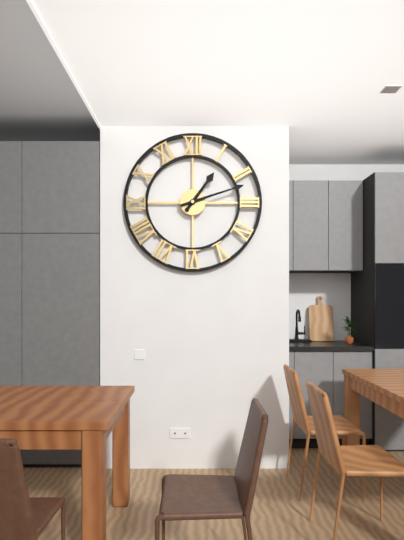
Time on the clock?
1:12
